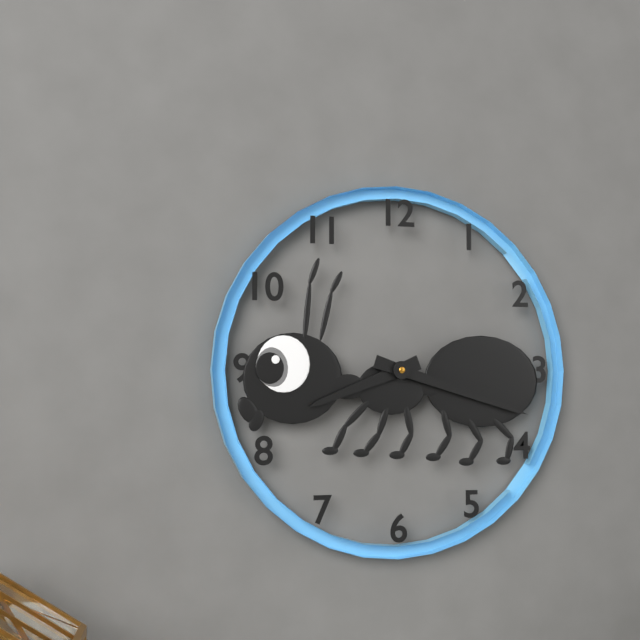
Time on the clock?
8:18
